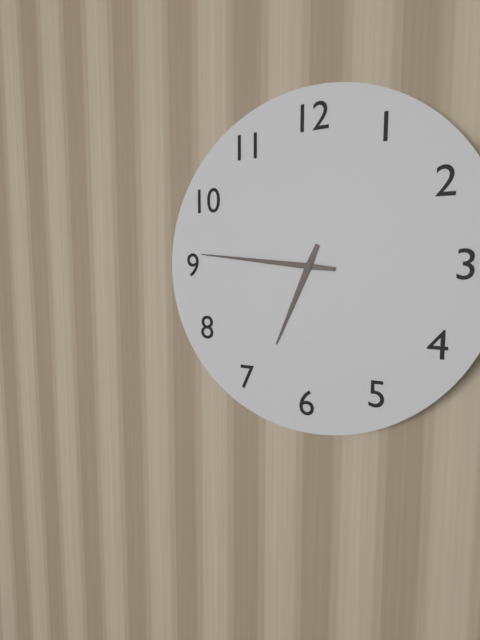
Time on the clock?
6:46
